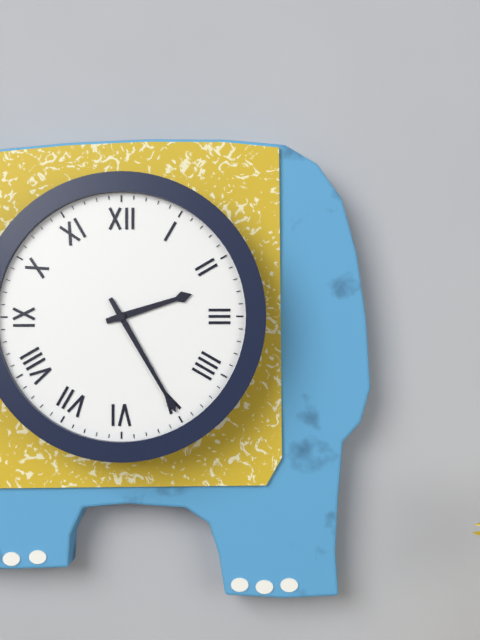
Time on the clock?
2:25
